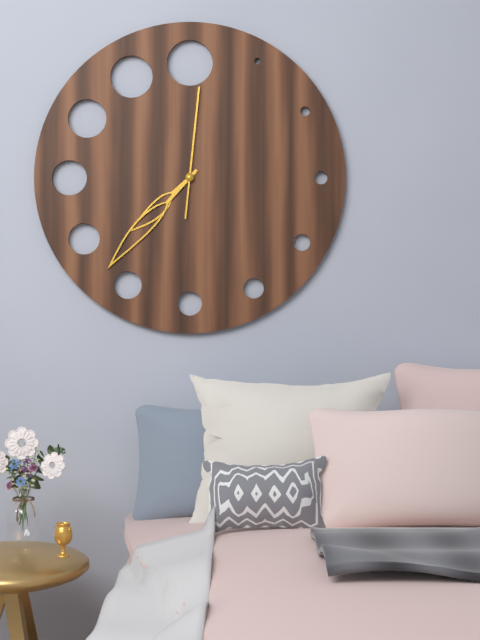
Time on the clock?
7:37:01
